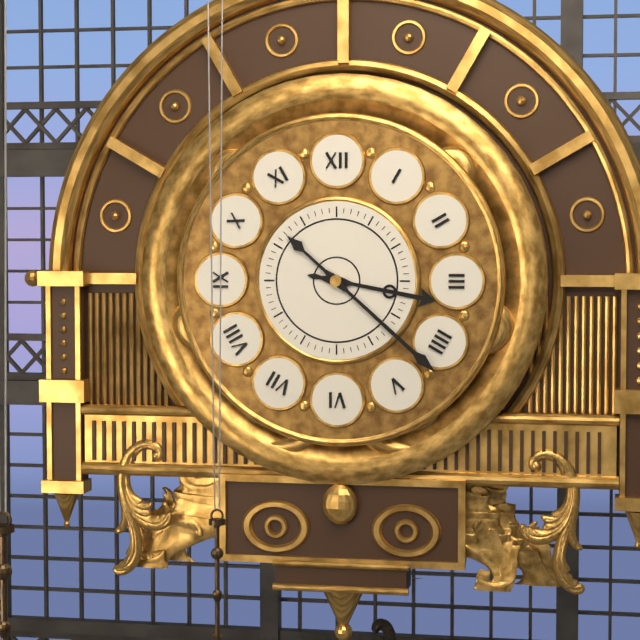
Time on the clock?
3:22
